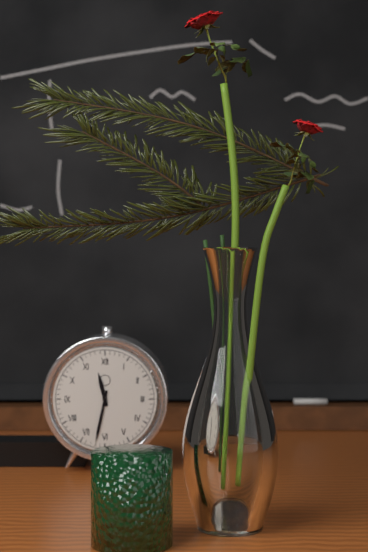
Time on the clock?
11:32
